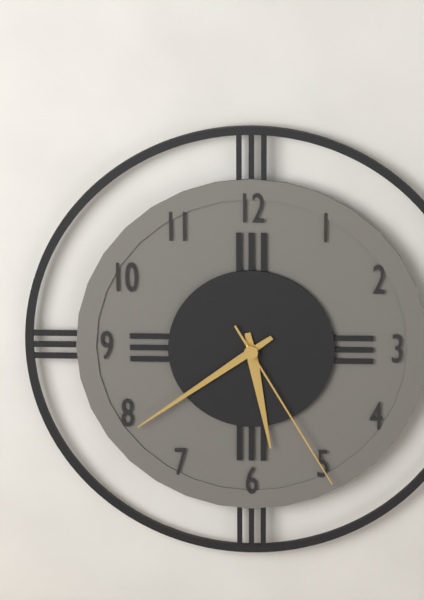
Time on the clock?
5:39:25
